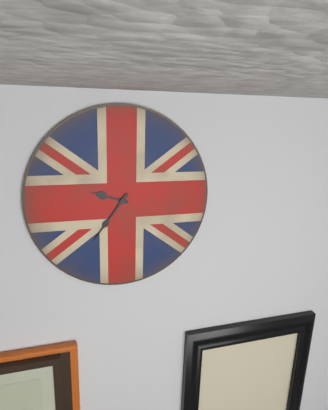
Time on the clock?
9:36
